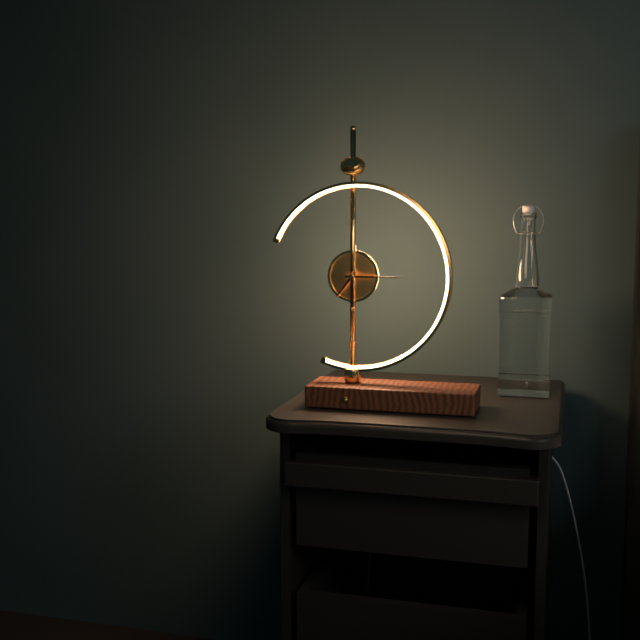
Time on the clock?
7:15
